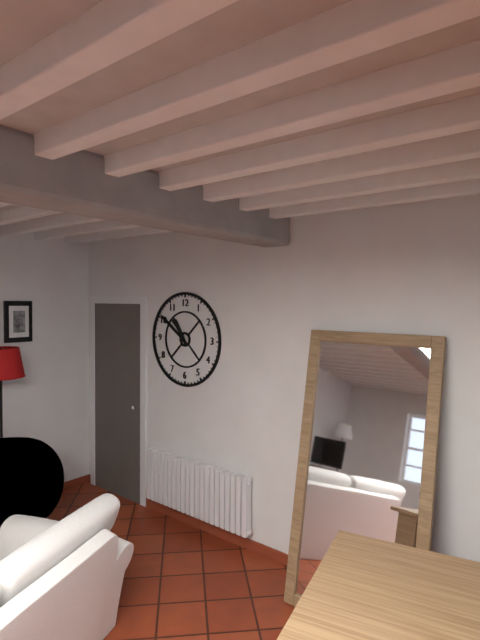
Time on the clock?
10:51
